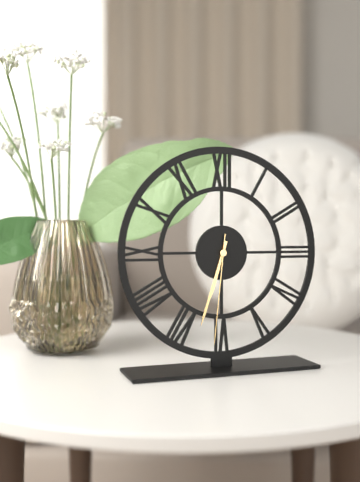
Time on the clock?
6:33:31
